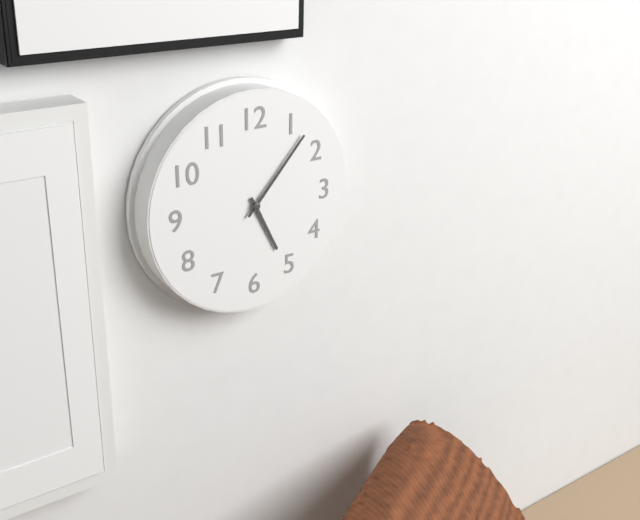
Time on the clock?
5:07
